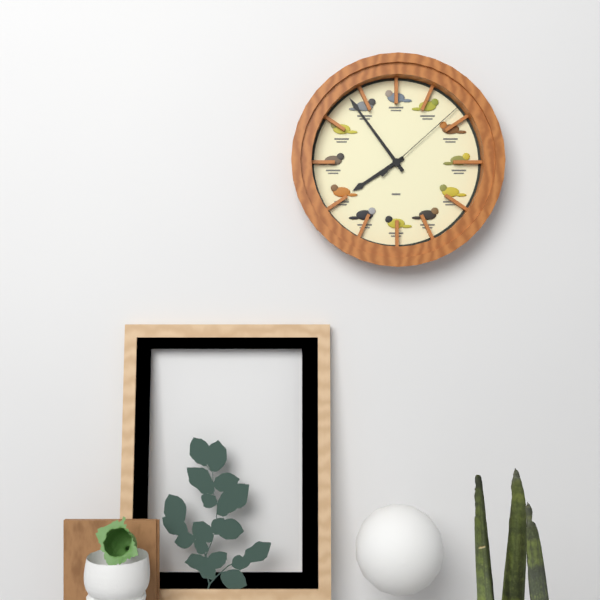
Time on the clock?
7:54:08
